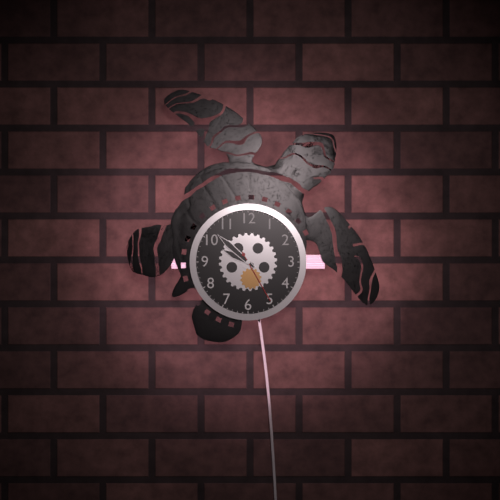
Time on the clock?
9:52:25
